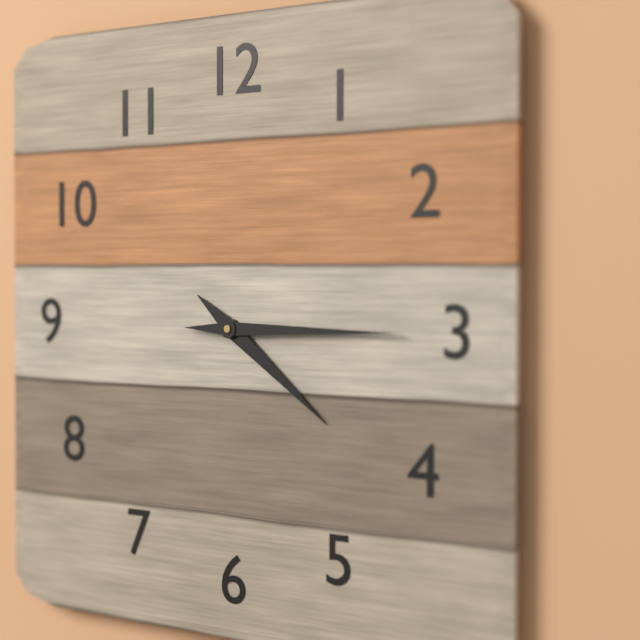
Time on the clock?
4:15
